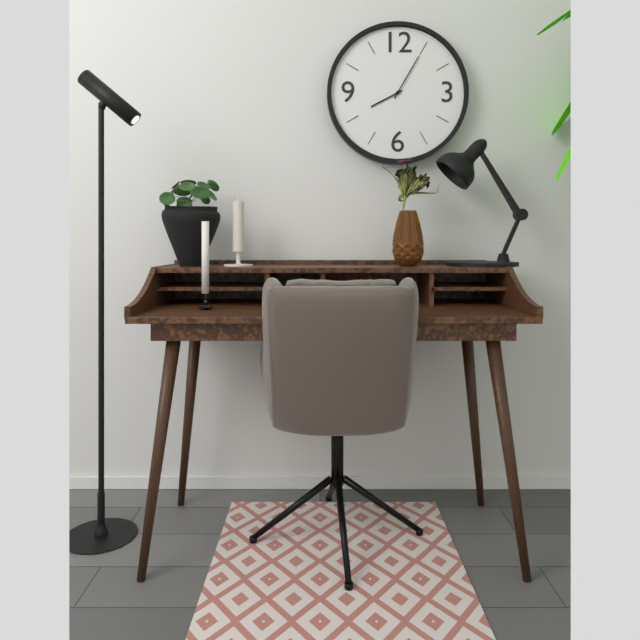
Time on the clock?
8:05
